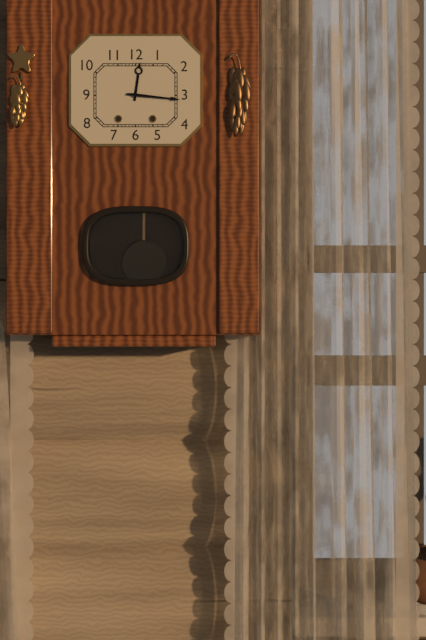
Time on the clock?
12:16
